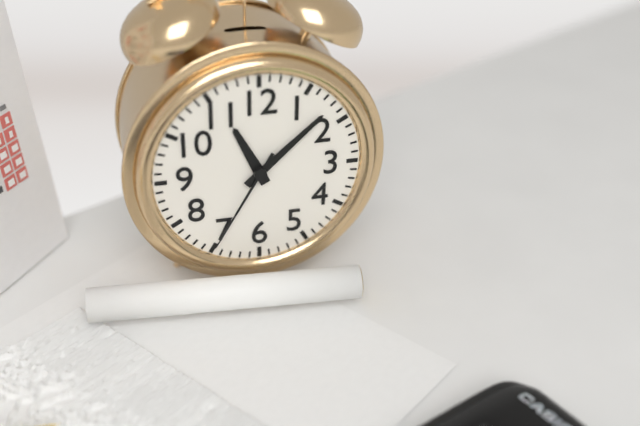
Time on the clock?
11:08:35
